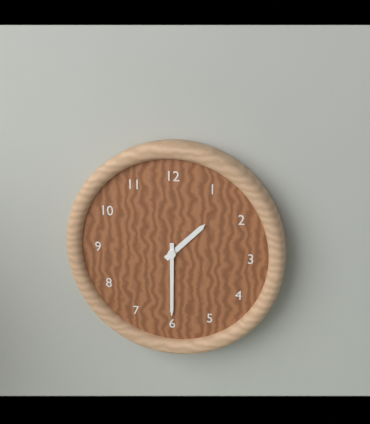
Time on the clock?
1:30
